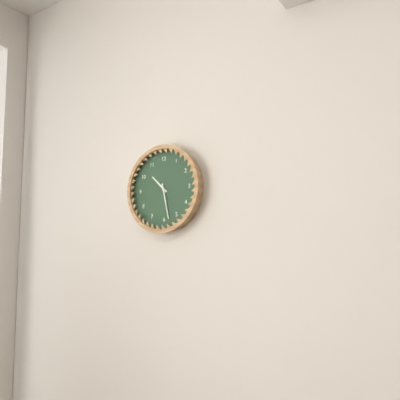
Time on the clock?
10:28
